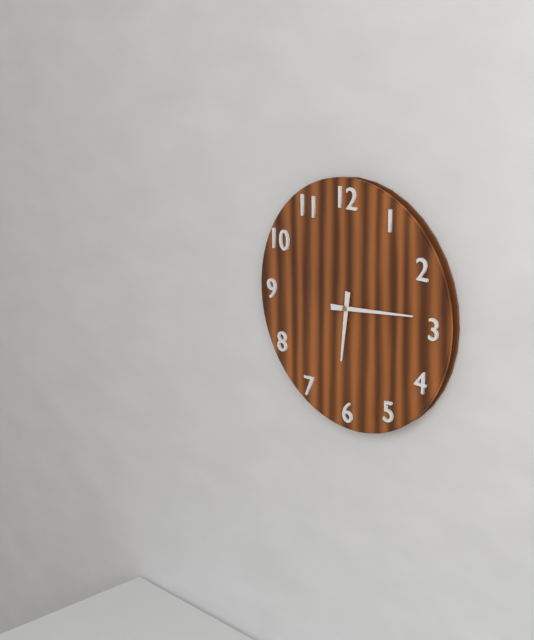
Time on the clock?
6:14
